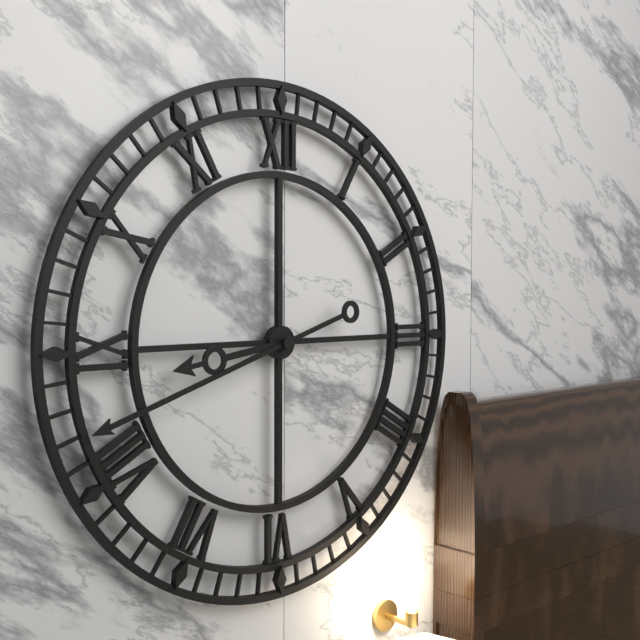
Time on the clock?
8:42
